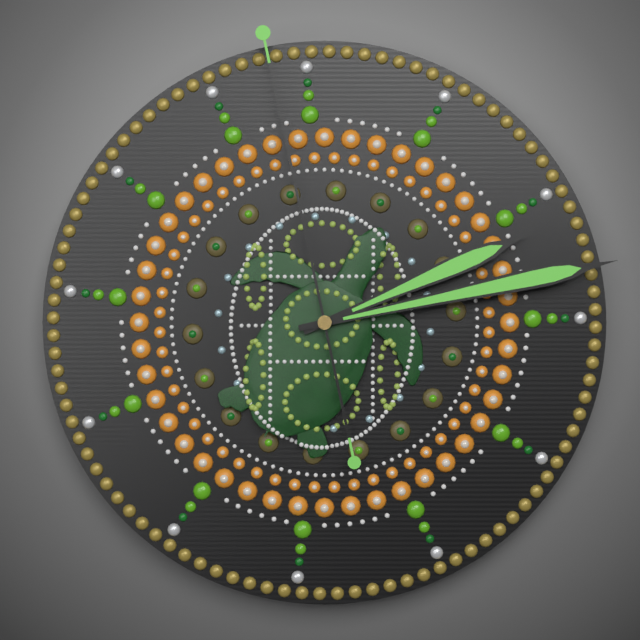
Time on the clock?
2:13:58
